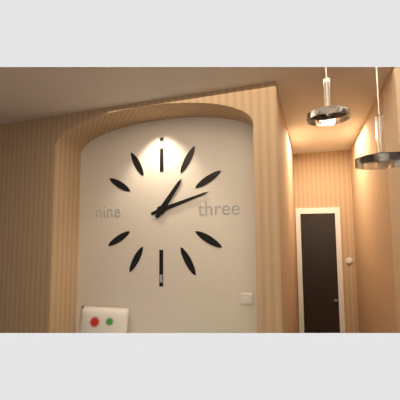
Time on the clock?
1:12
